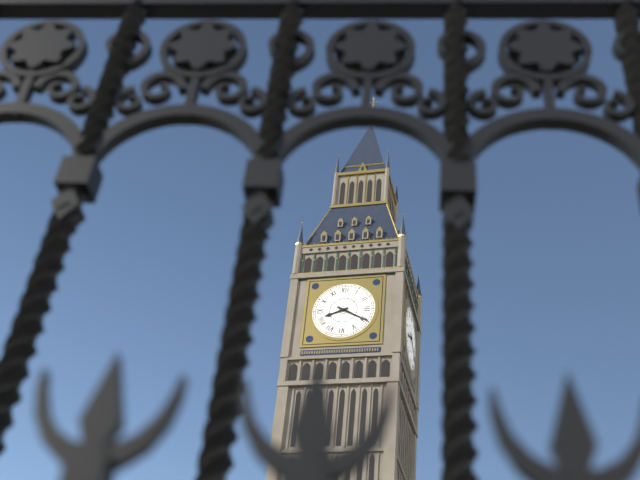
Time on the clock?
8:20
